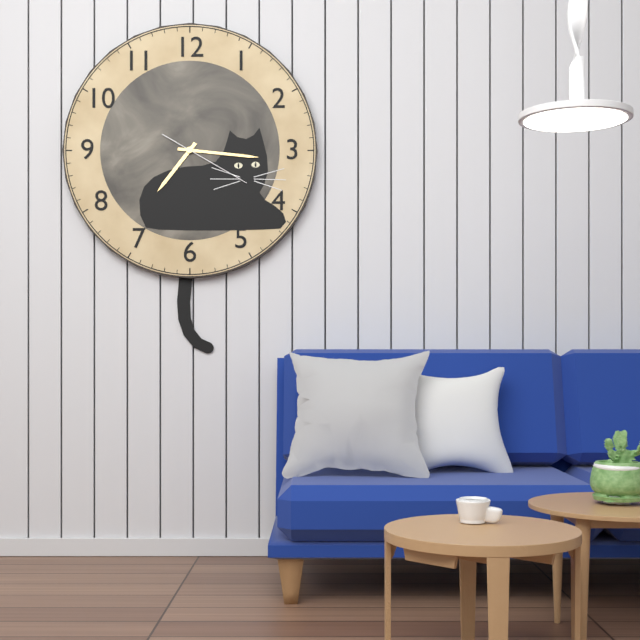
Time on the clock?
7:16:20
